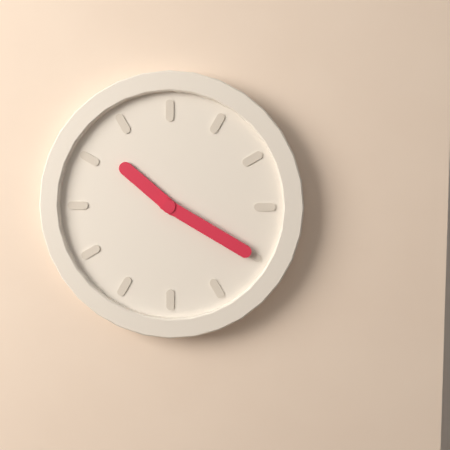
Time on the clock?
10:20
